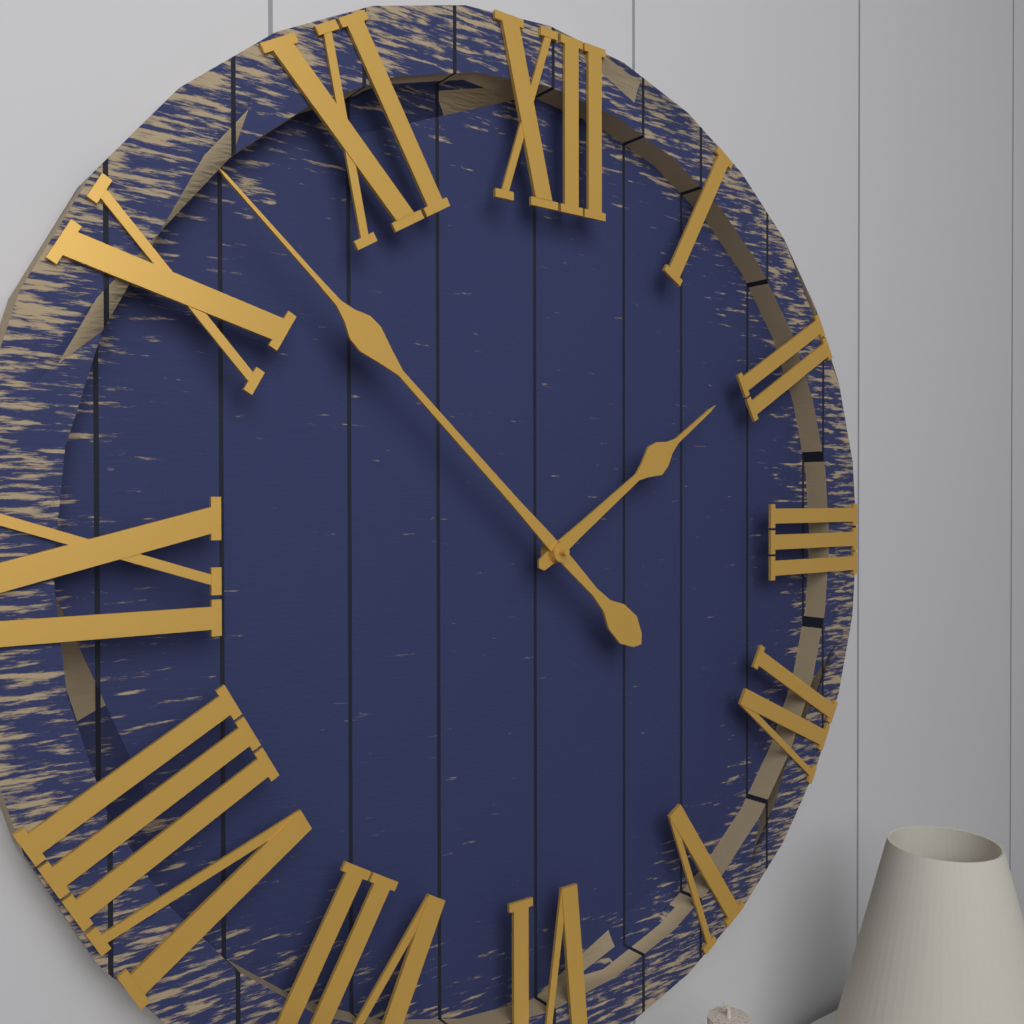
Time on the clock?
1:52
